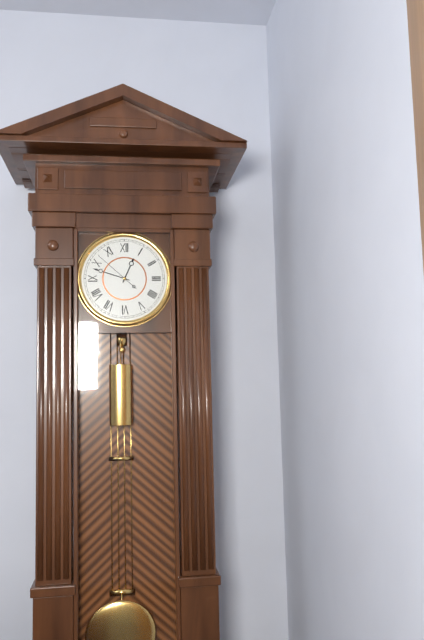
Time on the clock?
12:48
